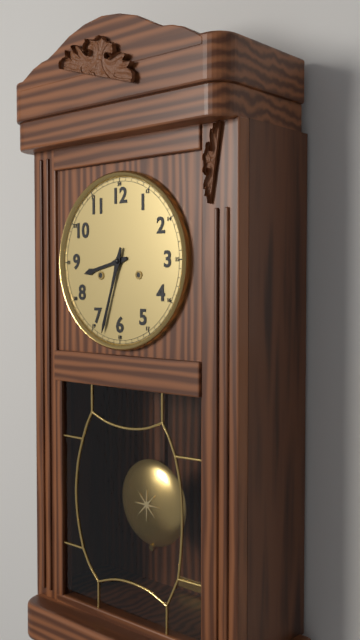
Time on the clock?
8:33
